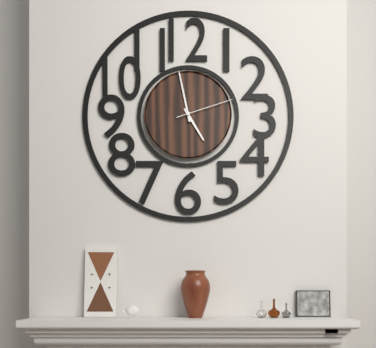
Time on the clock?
4:58:12
